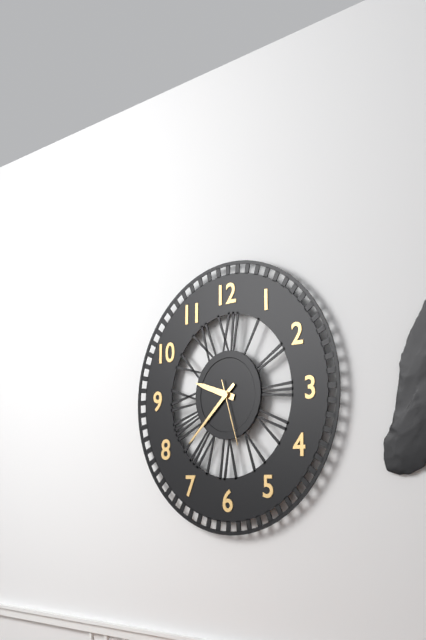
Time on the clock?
9:38:27
